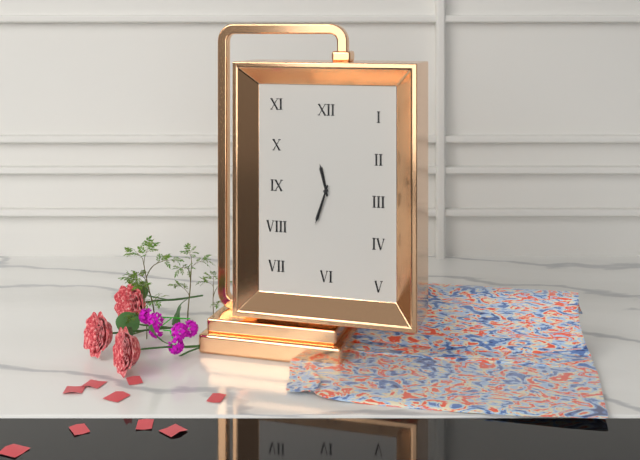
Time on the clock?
11:33
